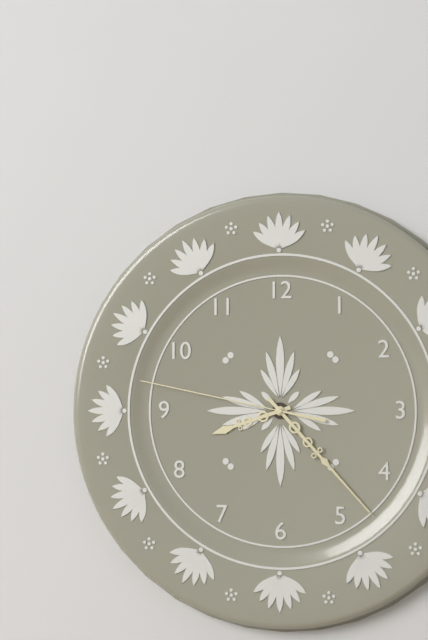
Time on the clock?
8:23:47
